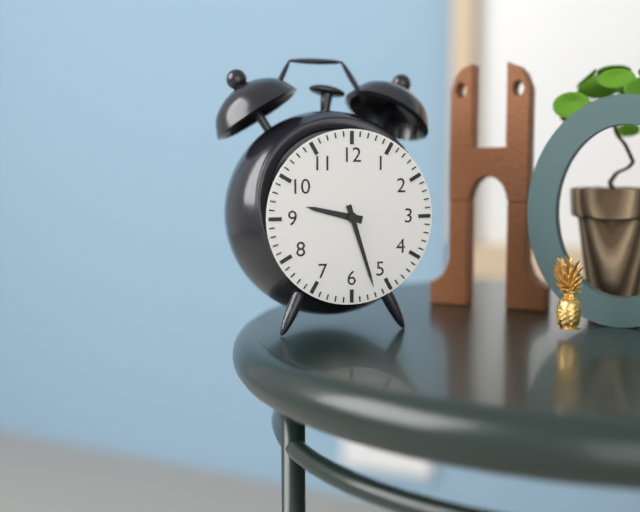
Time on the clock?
9:27
